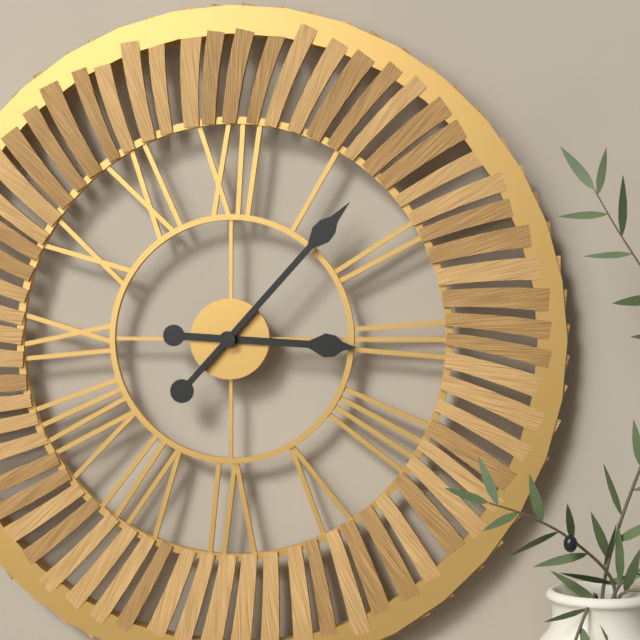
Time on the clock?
3:07
